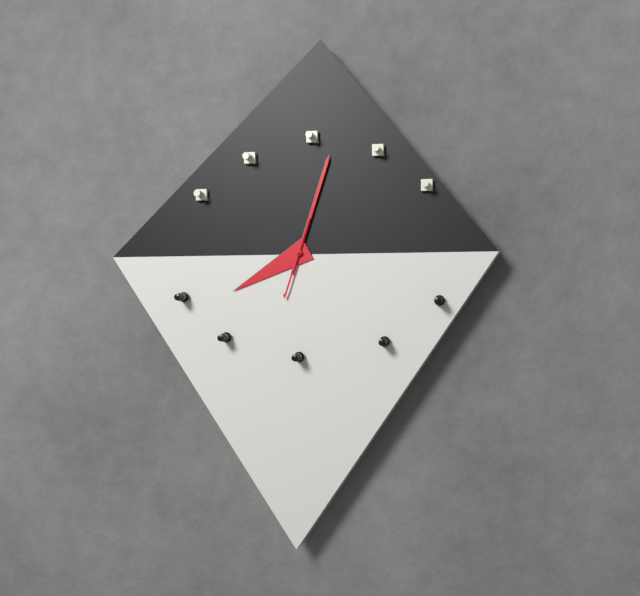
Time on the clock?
8:03:33
